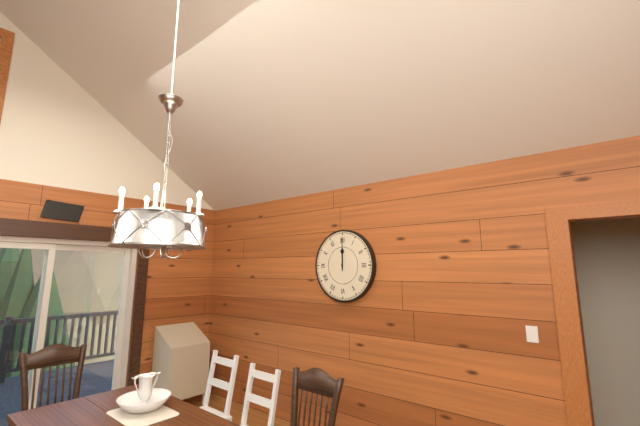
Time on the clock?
12:00
